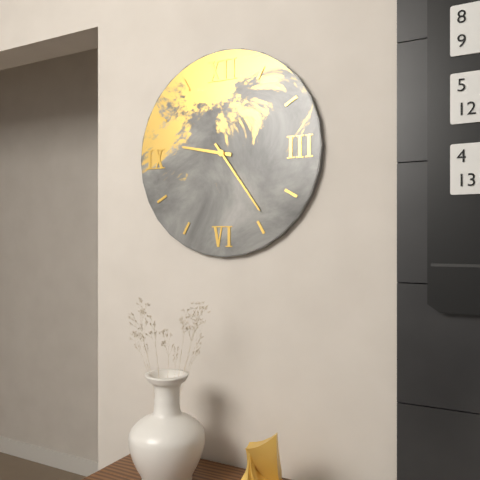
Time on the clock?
9:24
